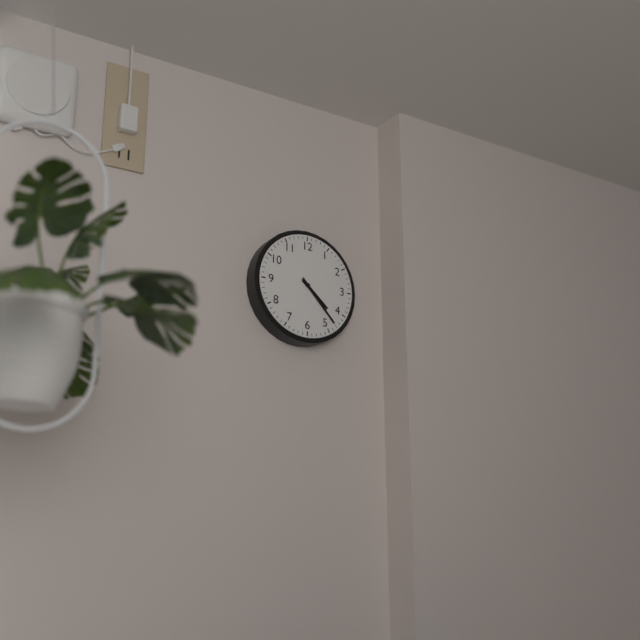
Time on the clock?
4:23
